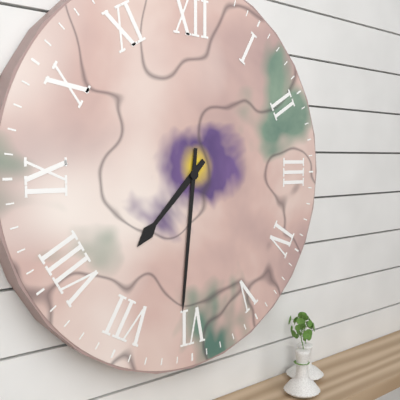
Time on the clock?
7:31
